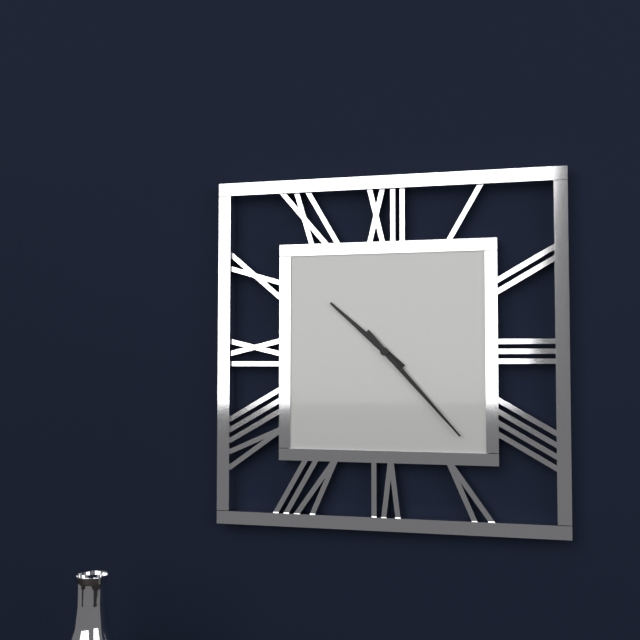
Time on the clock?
10:23
